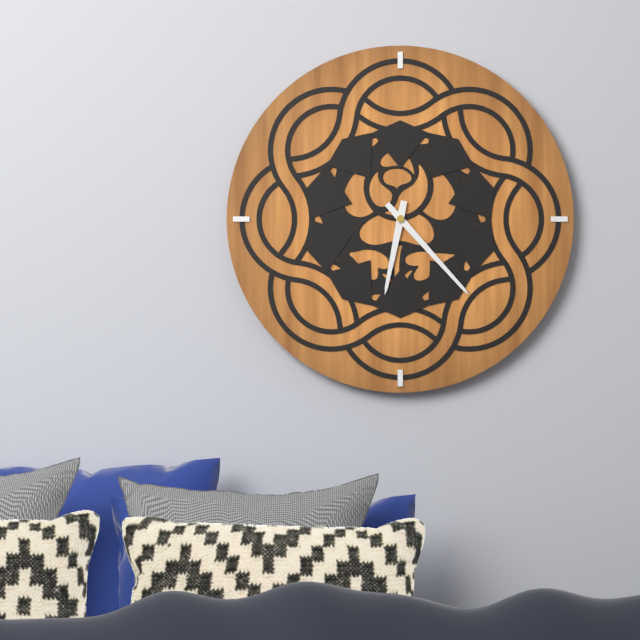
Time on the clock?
6:23
